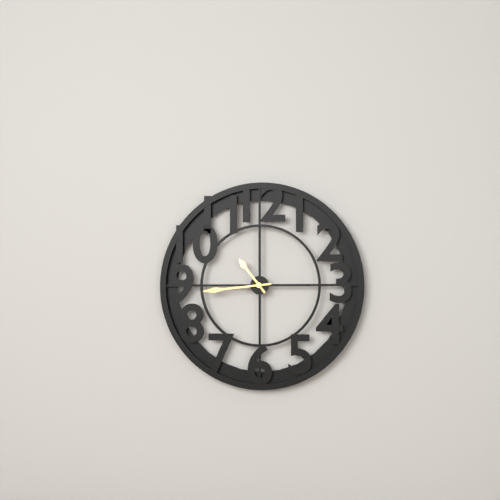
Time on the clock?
10:44
